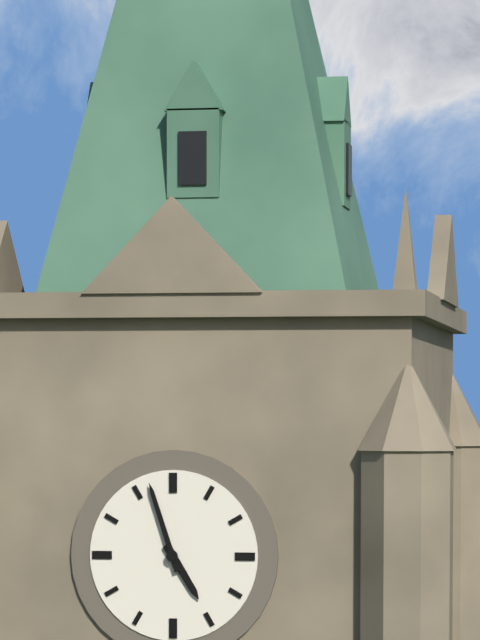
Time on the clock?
4:57
